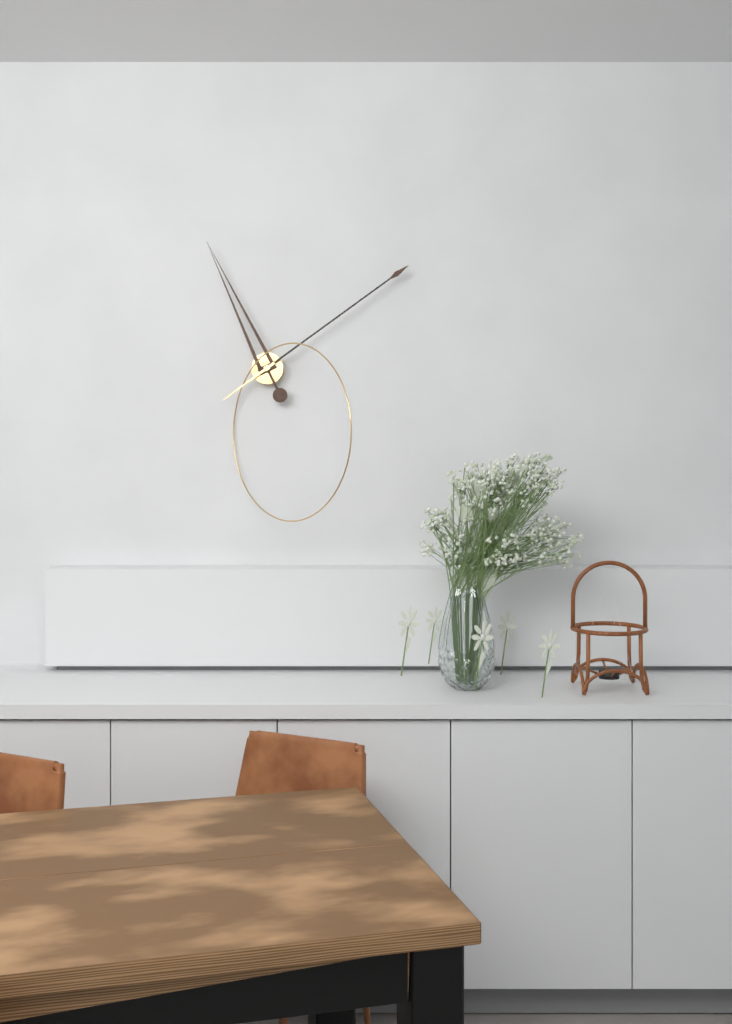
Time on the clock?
11:09
